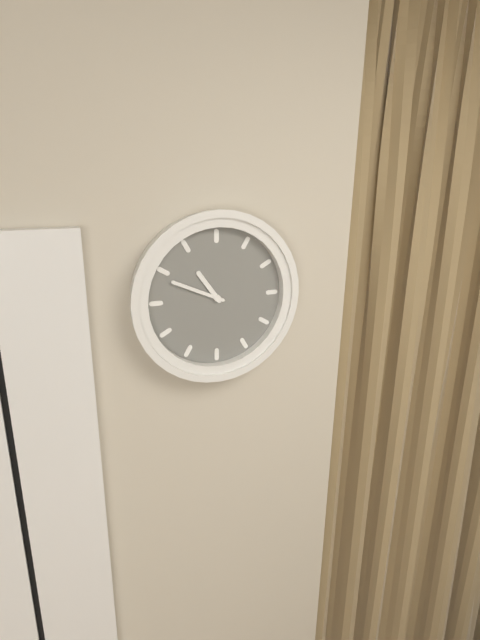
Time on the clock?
10:49
